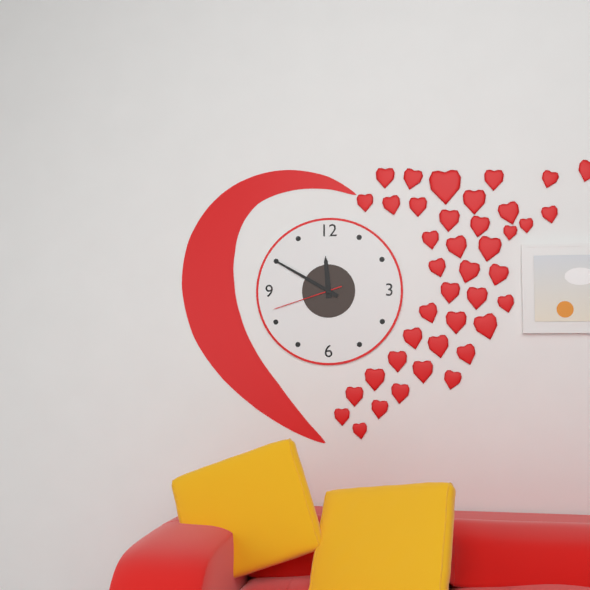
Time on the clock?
11:50:42
